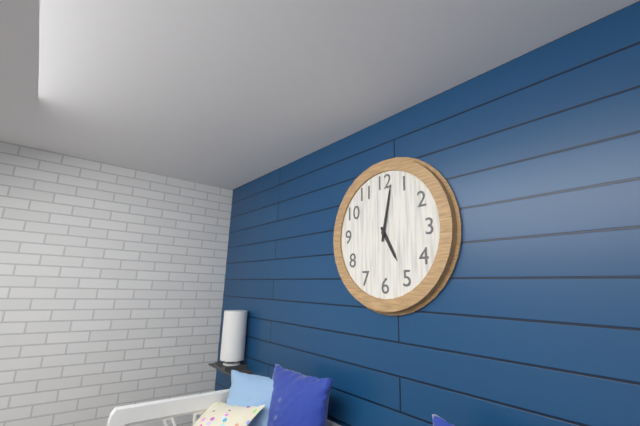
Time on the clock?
5:02
